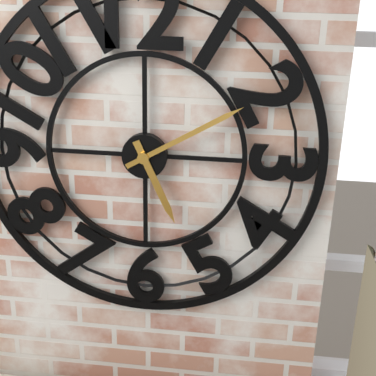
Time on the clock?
5:10
